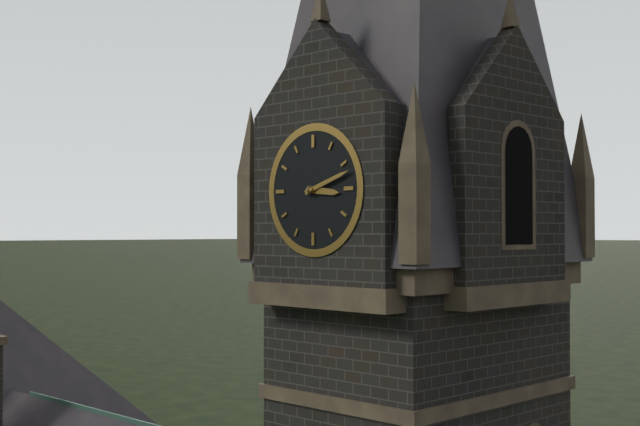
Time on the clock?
3:12
